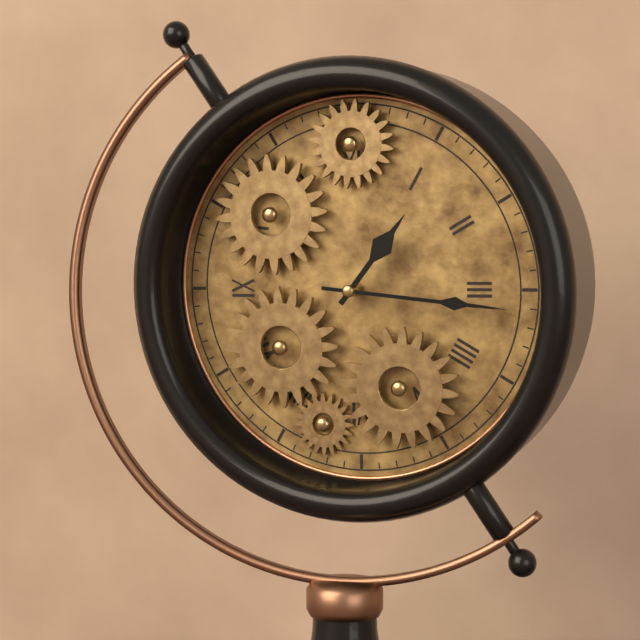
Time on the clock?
1:16
